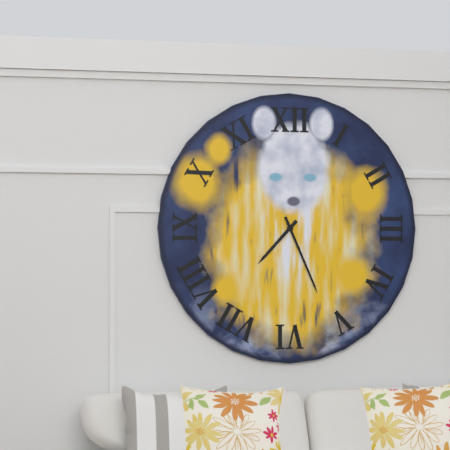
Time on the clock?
7:26
